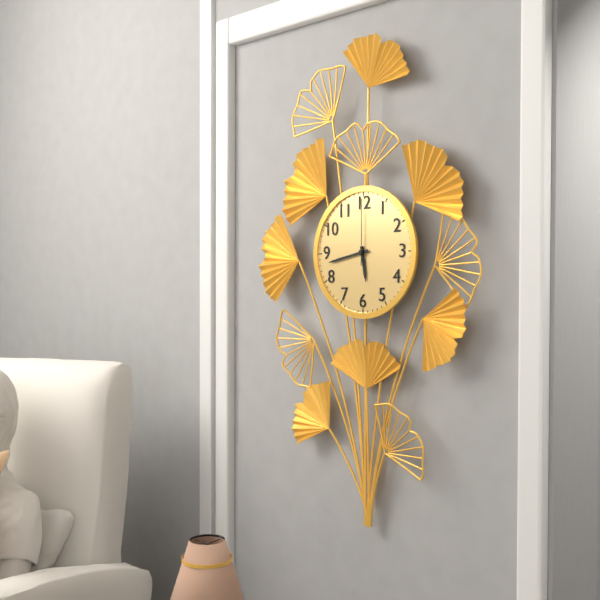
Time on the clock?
5:43:00
